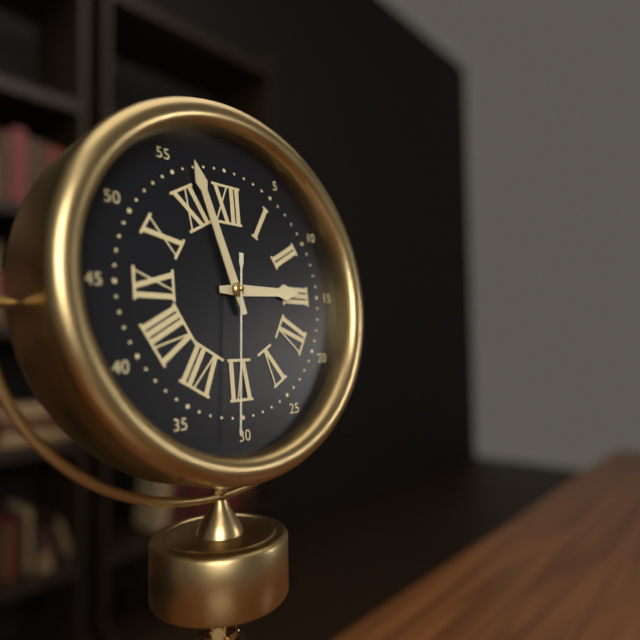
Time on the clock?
2:57:31
